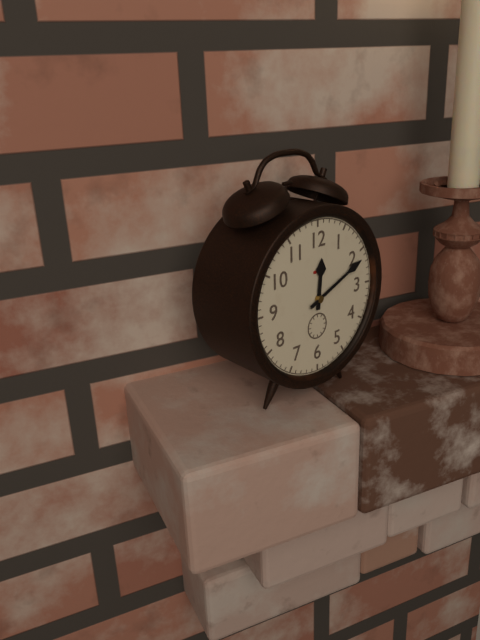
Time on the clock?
12:11
